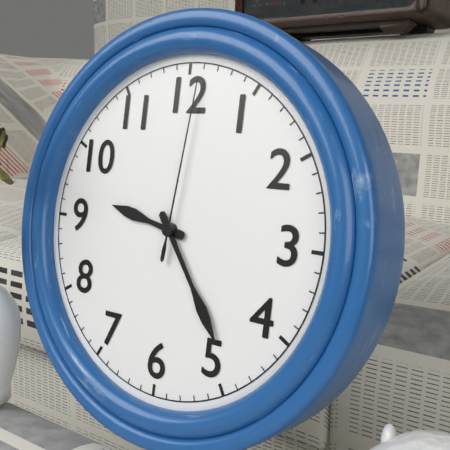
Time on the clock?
9:24:01
